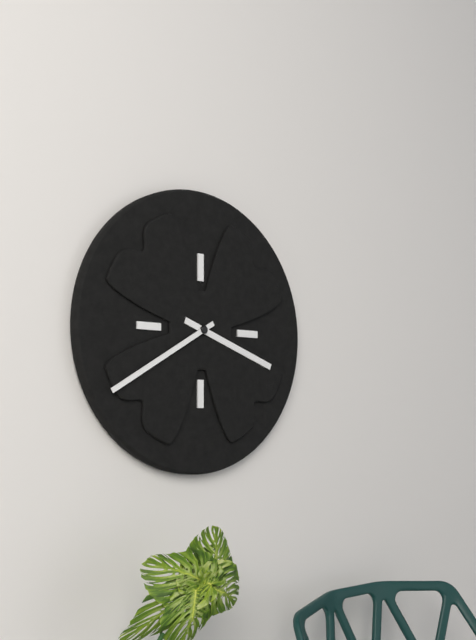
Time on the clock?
3:40
